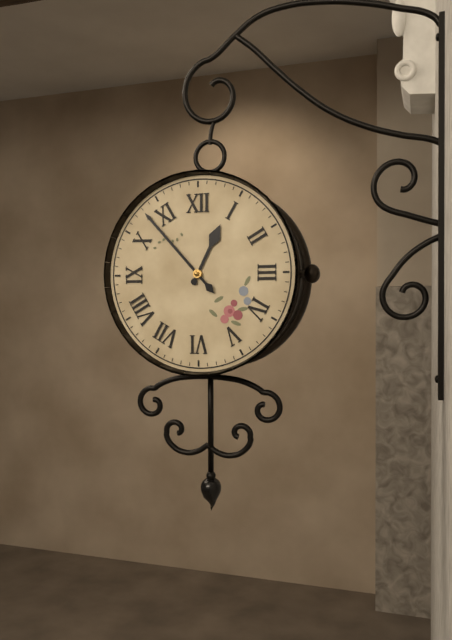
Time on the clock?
12:53
